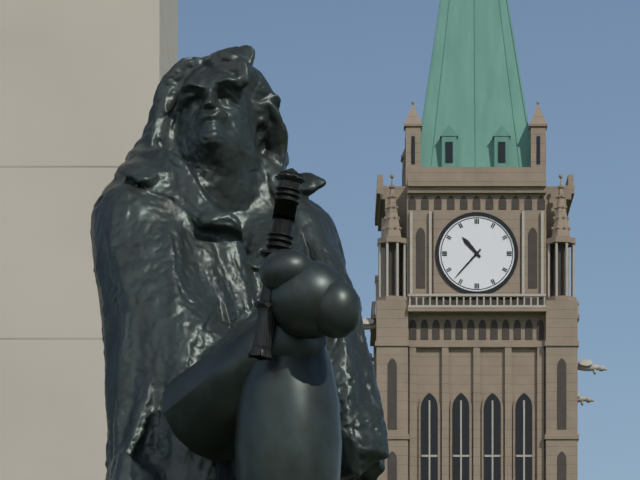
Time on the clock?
10:37
